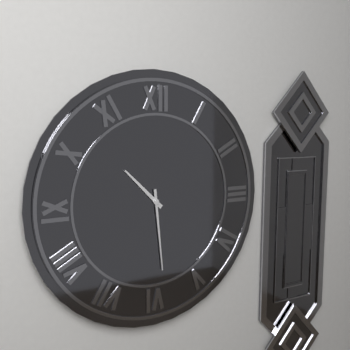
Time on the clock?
10:29
